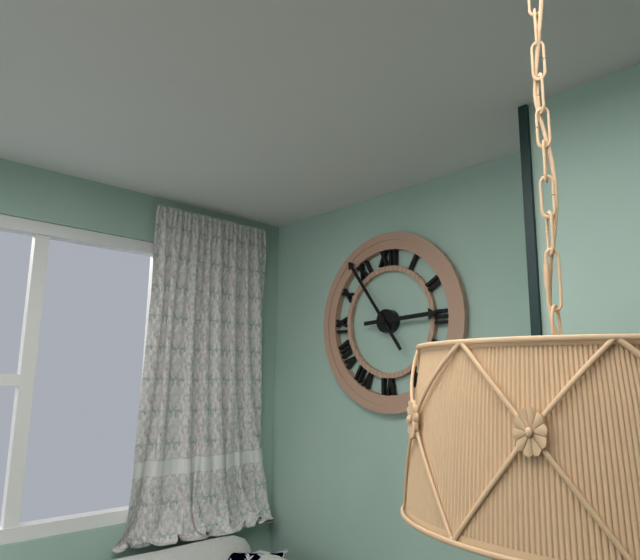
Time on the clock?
2:54
